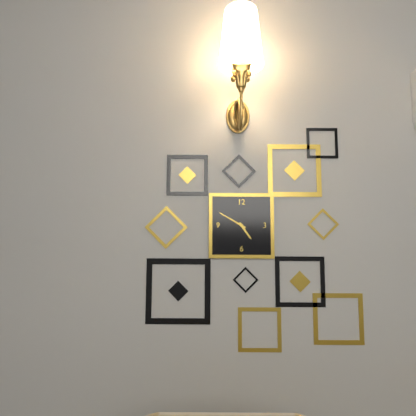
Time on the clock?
4:50
